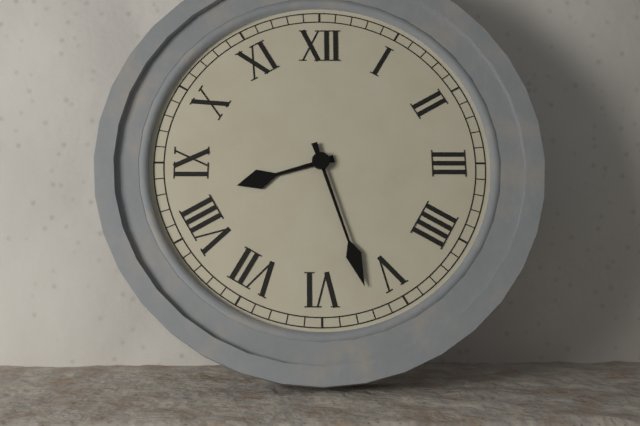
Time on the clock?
8:27
